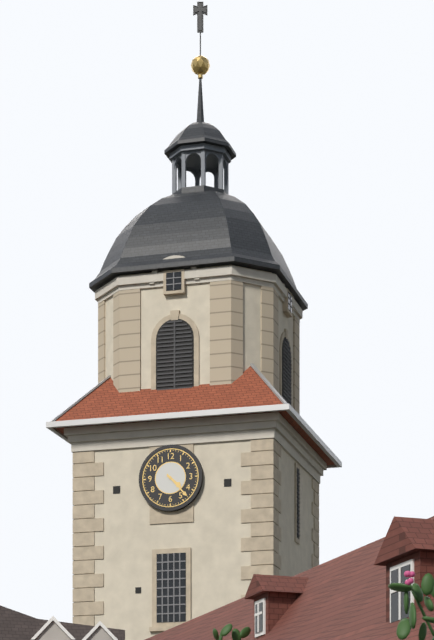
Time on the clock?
4:23
